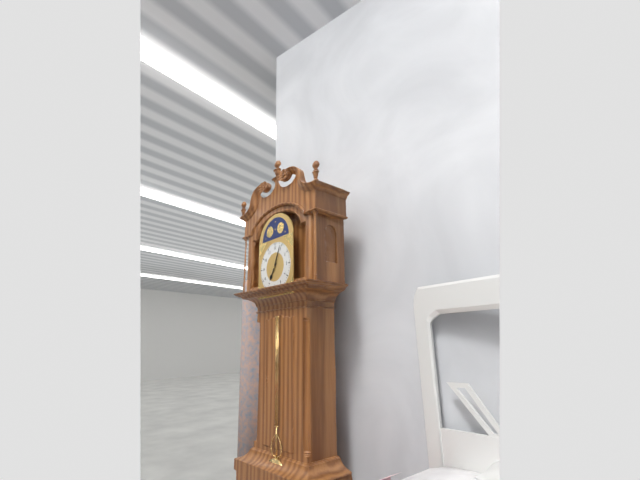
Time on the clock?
7:04
